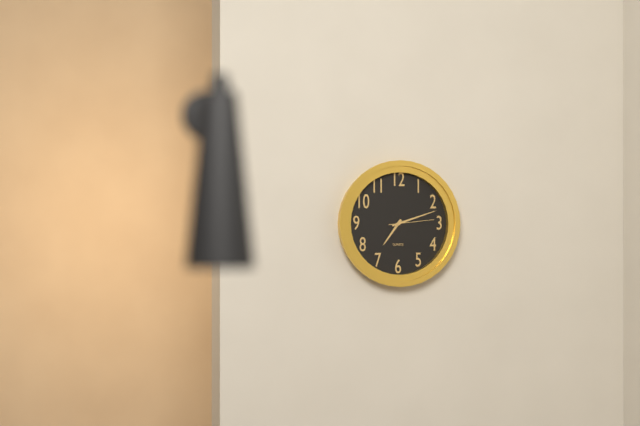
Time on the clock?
7:12
